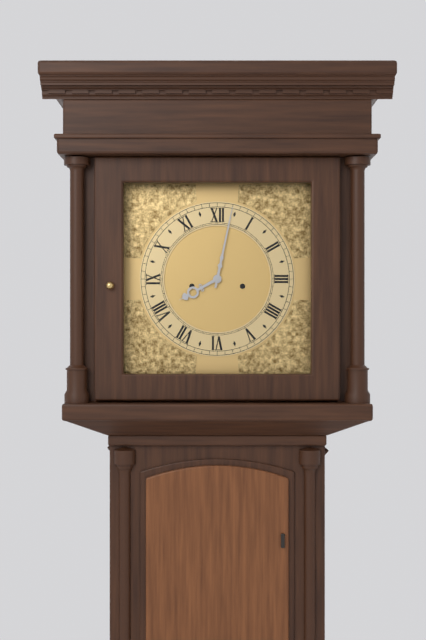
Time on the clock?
8:02
